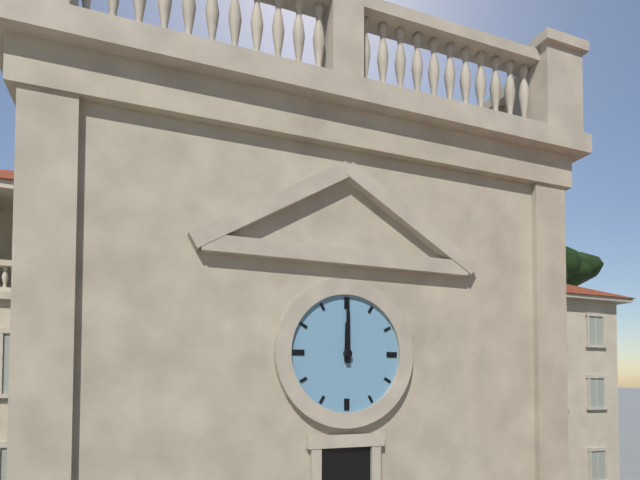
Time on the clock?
12:00
